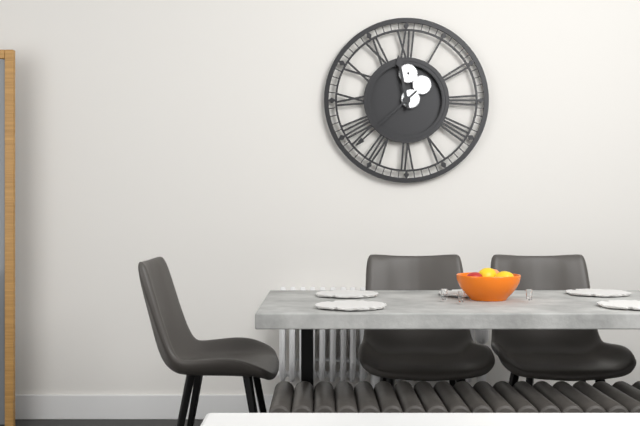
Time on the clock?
11:38
